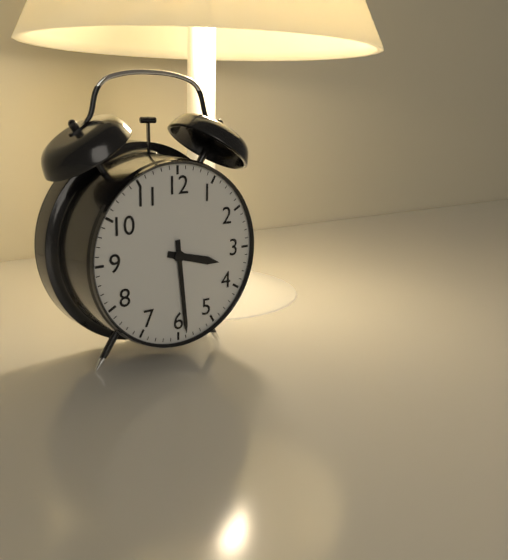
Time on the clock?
3:29
